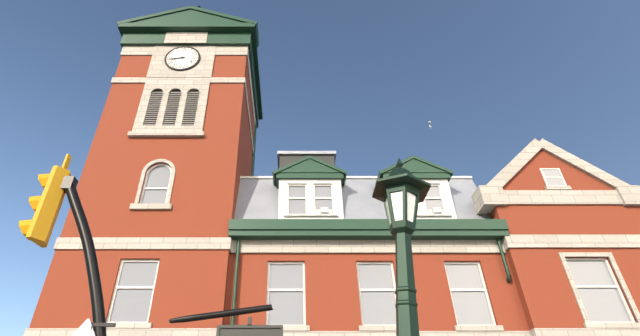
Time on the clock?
8:43
